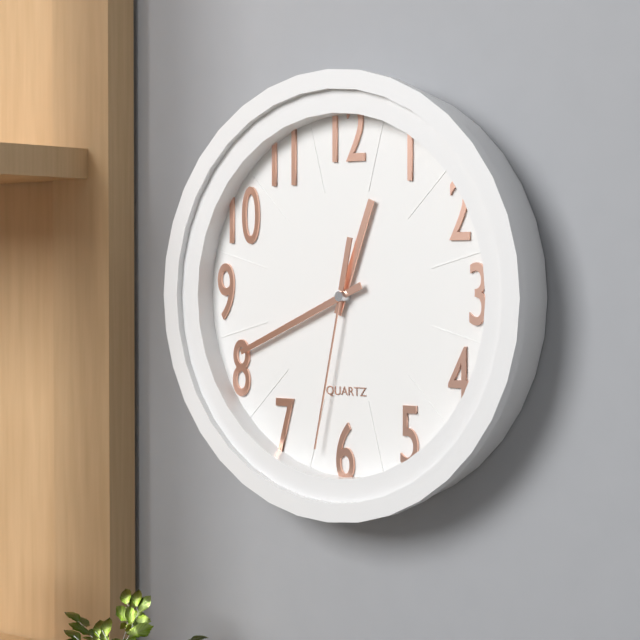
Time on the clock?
12:41:32
